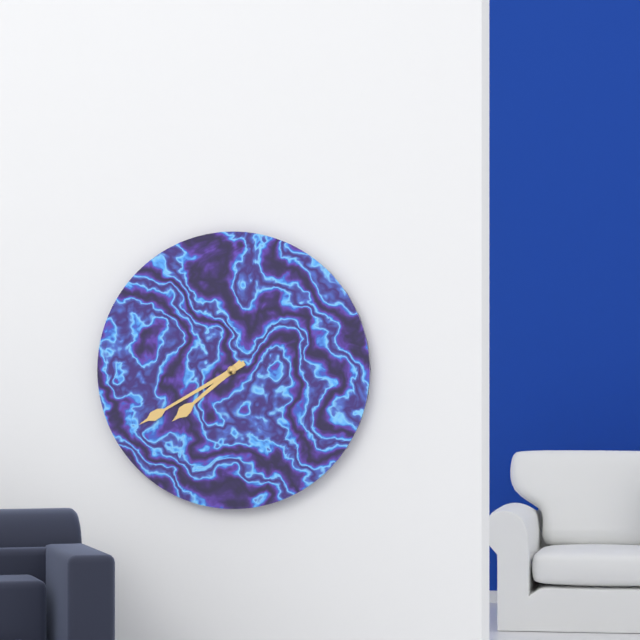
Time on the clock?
7:40
